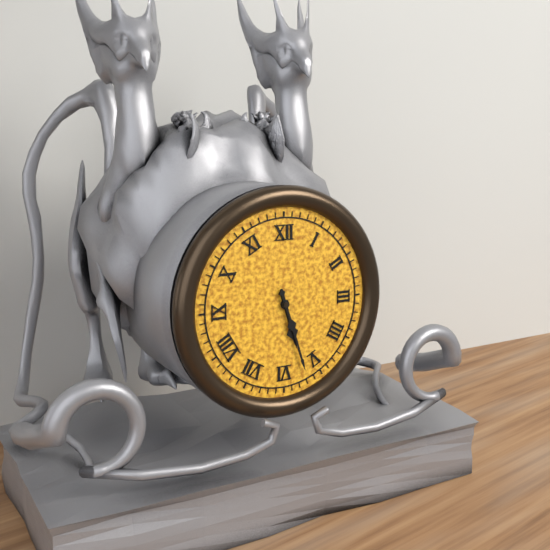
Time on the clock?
5:27
